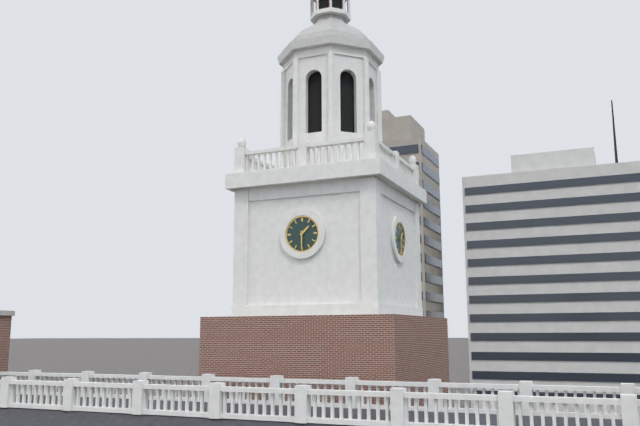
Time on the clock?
1:30
